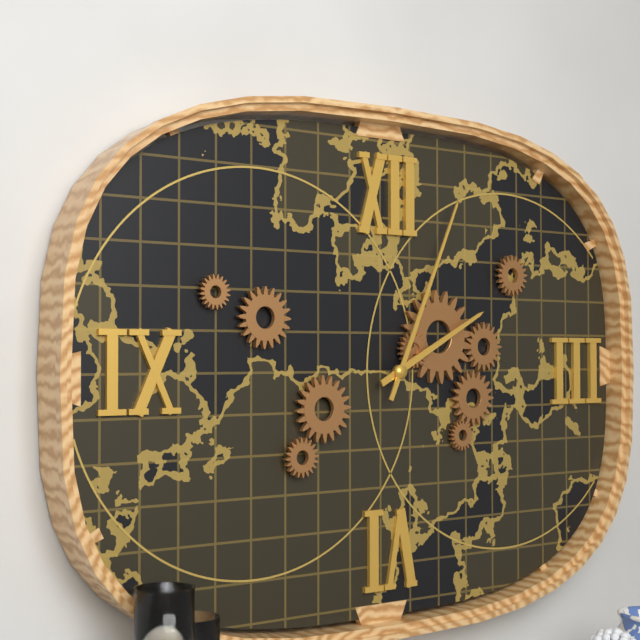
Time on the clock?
2:04
